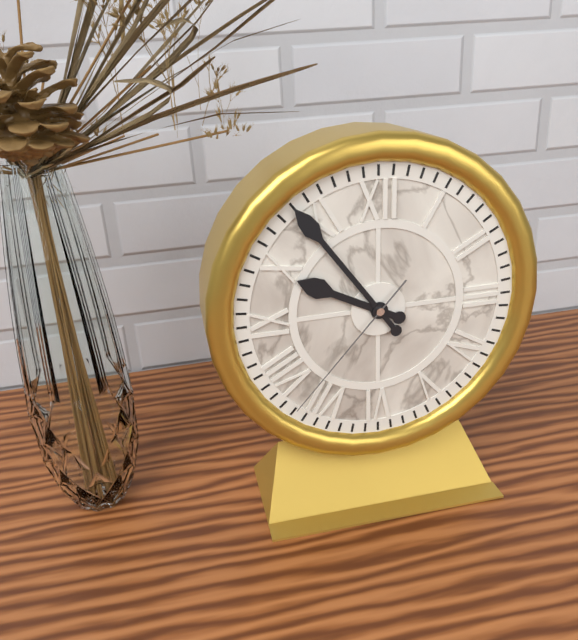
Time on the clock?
9:54:37
